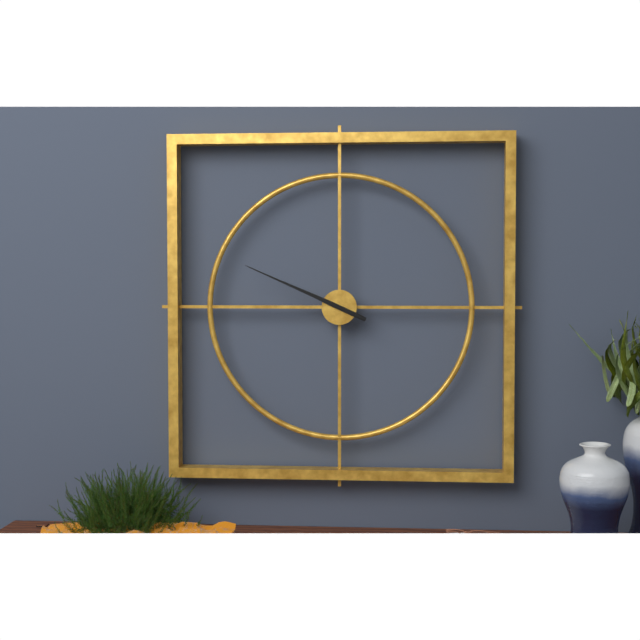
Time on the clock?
9:49
